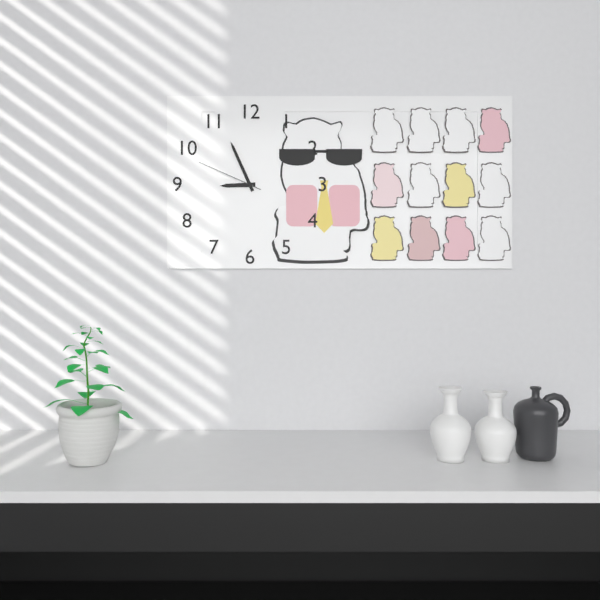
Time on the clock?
8:56:49
